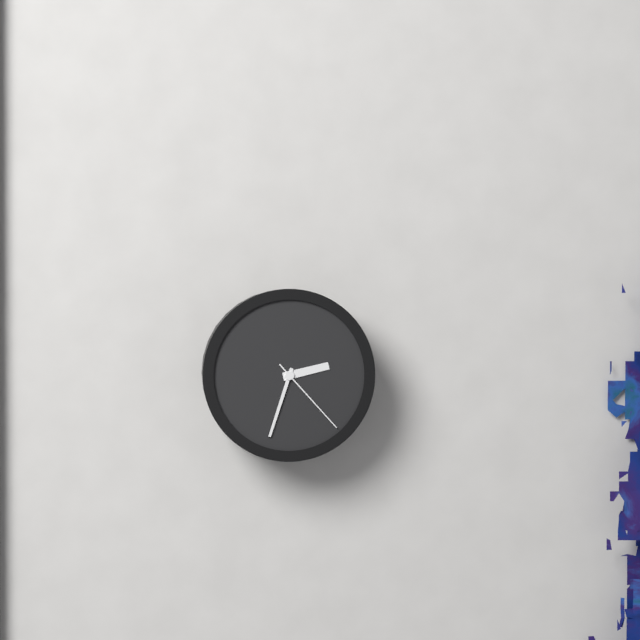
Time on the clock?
2:33:23
